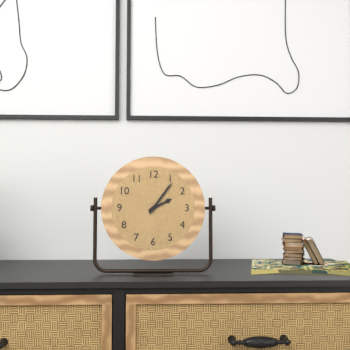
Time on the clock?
2:06
